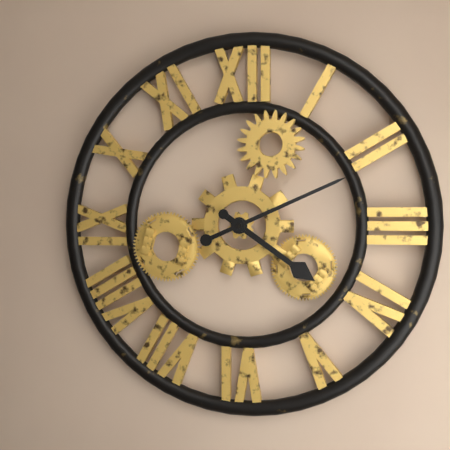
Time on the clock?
4:11
